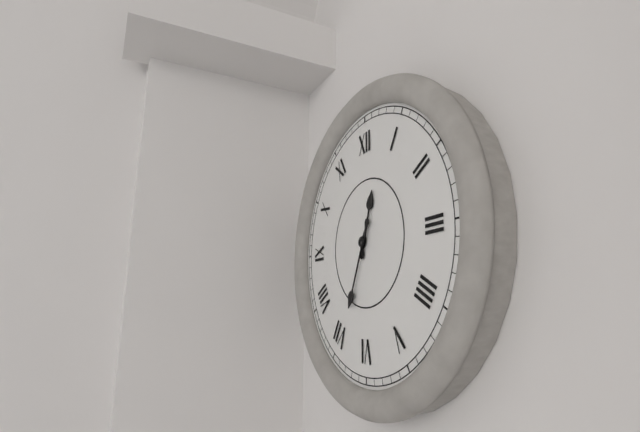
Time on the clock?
12:34
